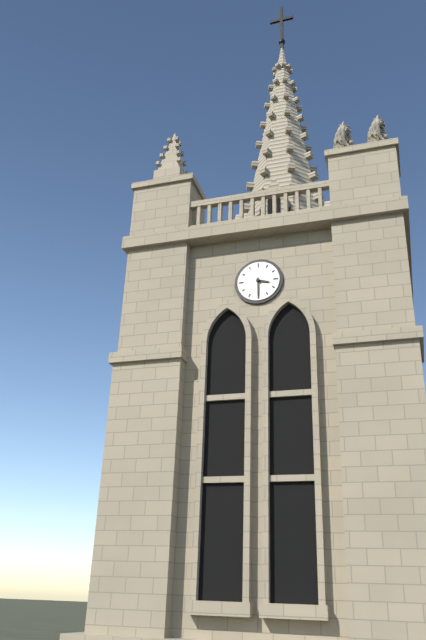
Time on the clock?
3:30
